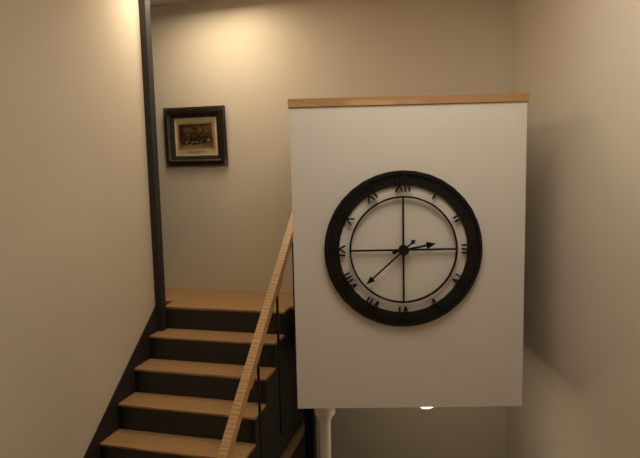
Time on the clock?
2:38
